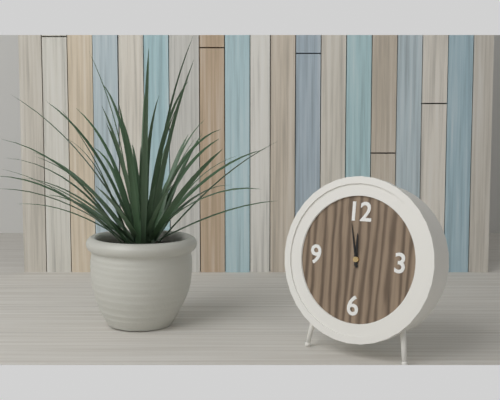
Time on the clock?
11:58
